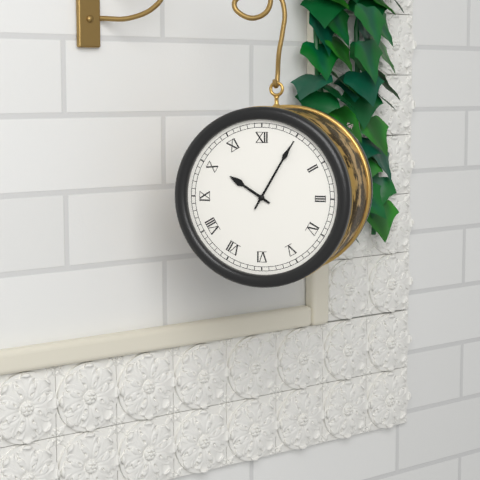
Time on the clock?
10:05
